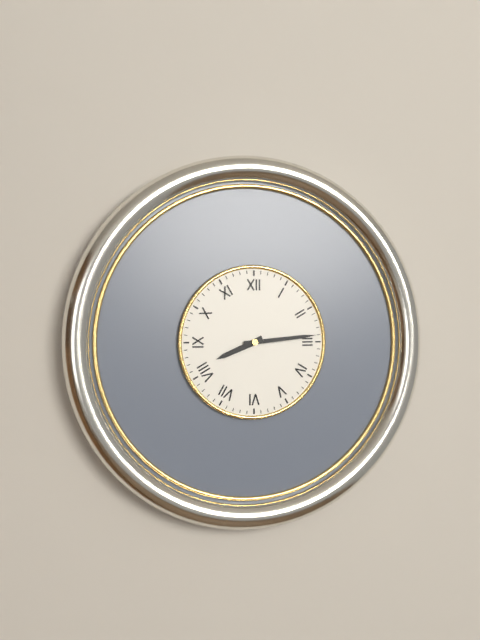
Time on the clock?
8:14
